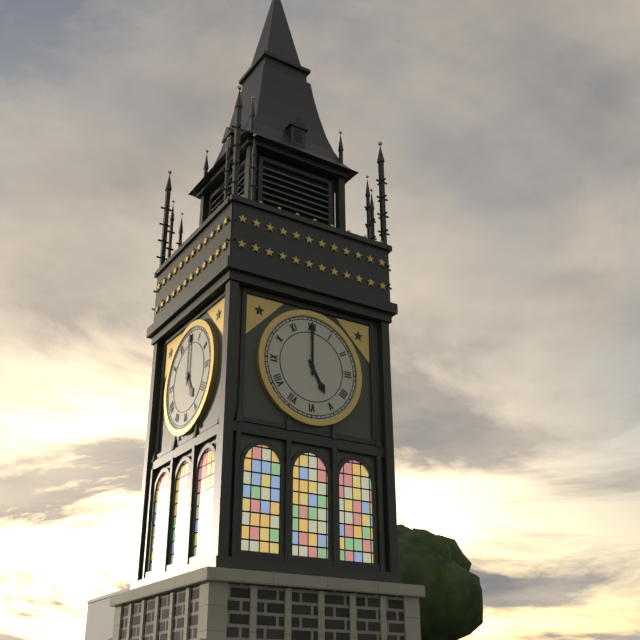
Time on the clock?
5:00
